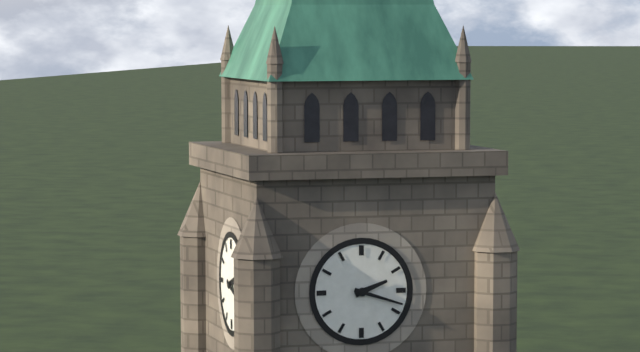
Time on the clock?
2:18
